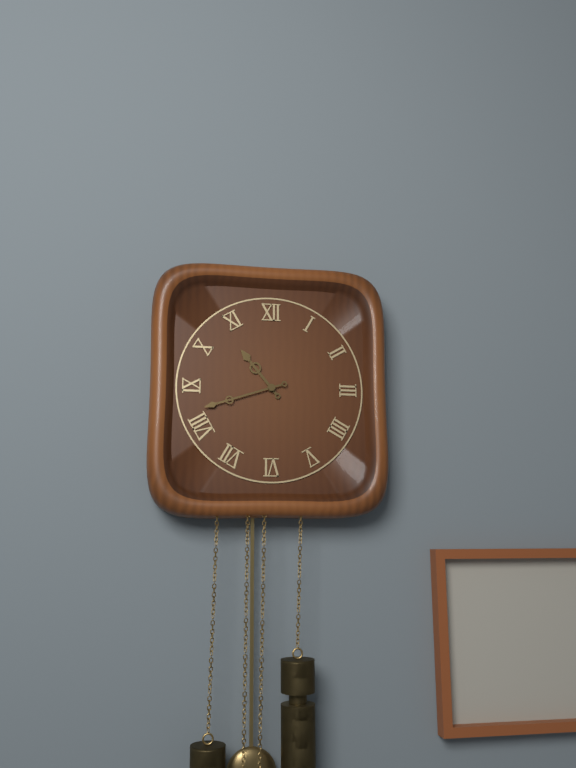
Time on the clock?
10:42
